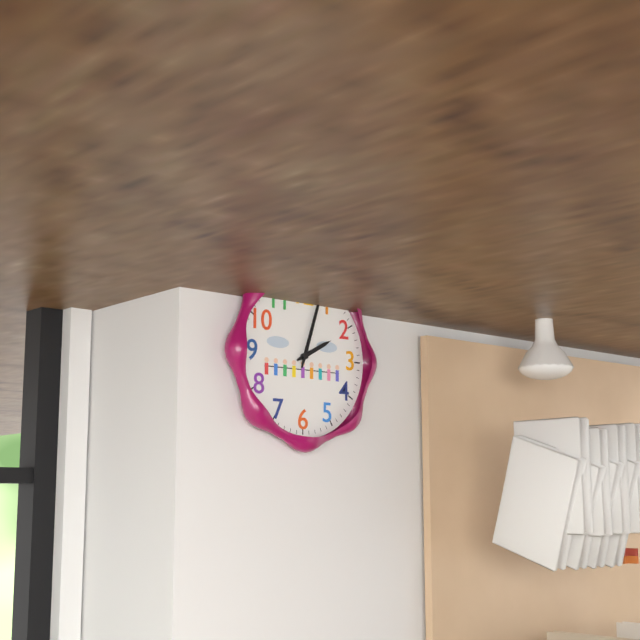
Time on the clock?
2:03
